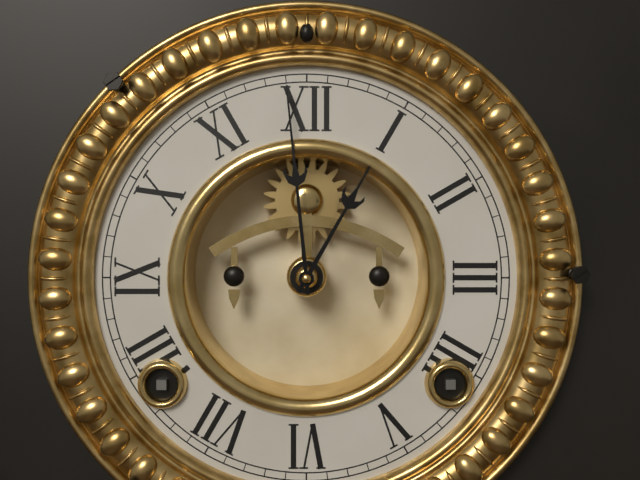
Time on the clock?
12:59
